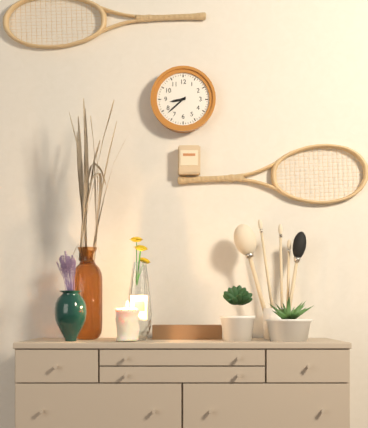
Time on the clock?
8:38
